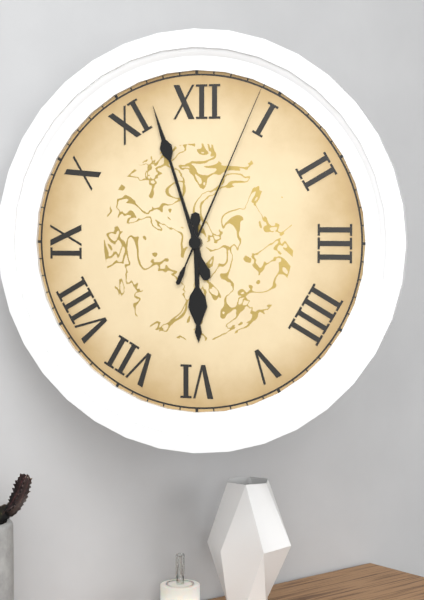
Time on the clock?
5:57:04
